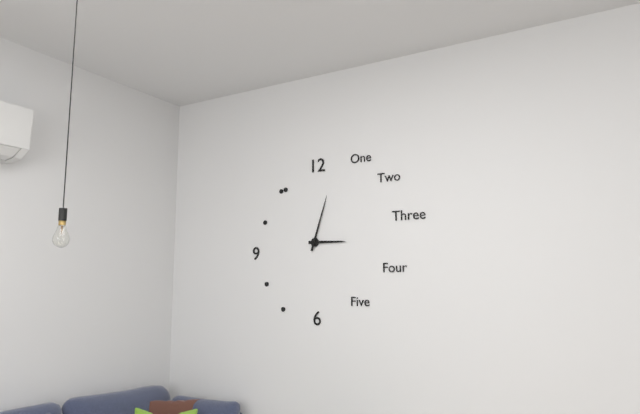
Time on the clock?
3:03
